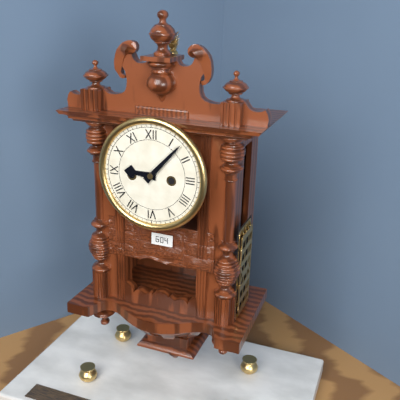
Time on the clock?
9:07
